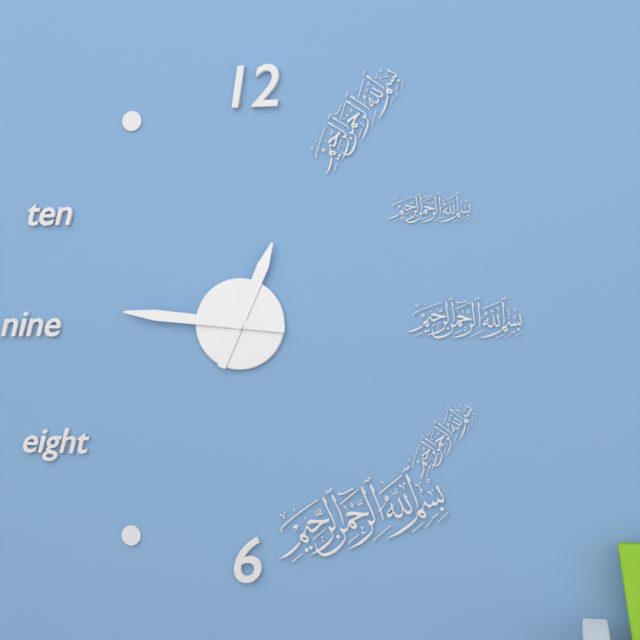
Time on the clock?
12:46
